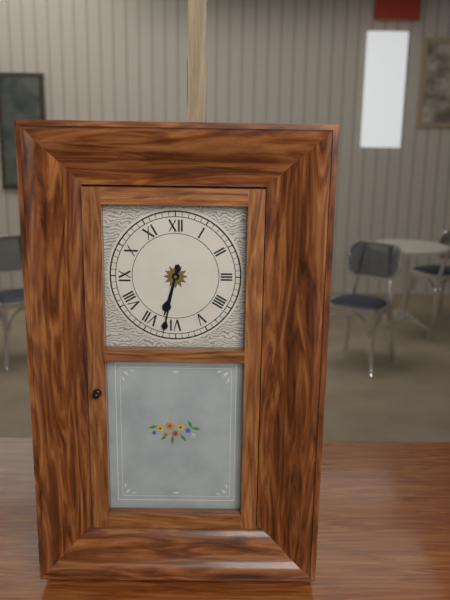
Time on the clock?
6:32
